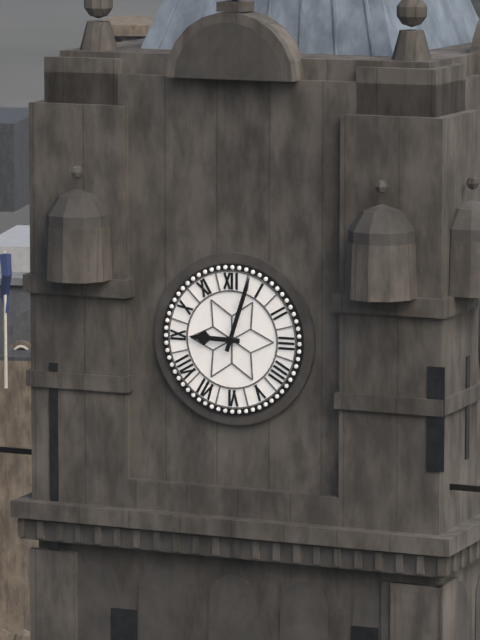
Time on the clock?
9:03
